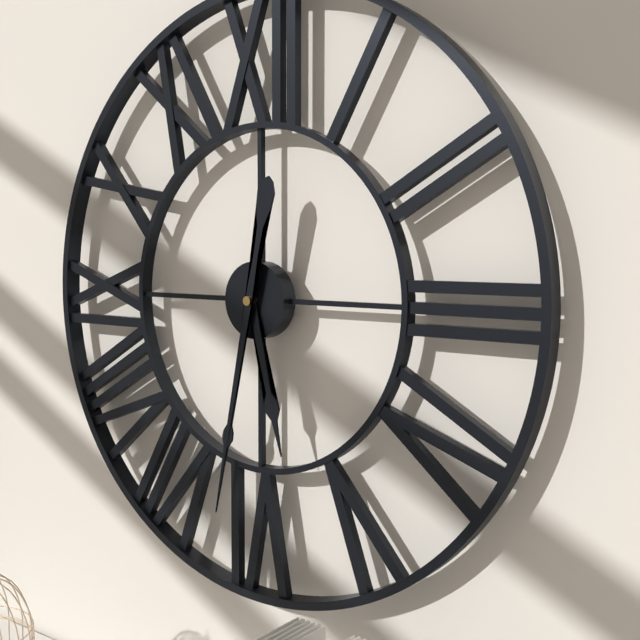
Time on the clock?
5:32
